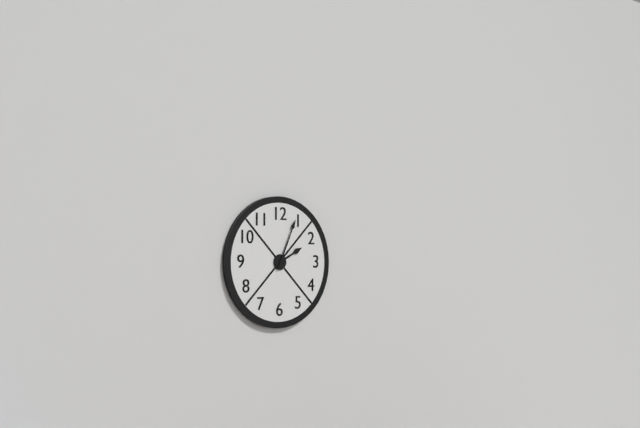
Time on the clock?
2:04
